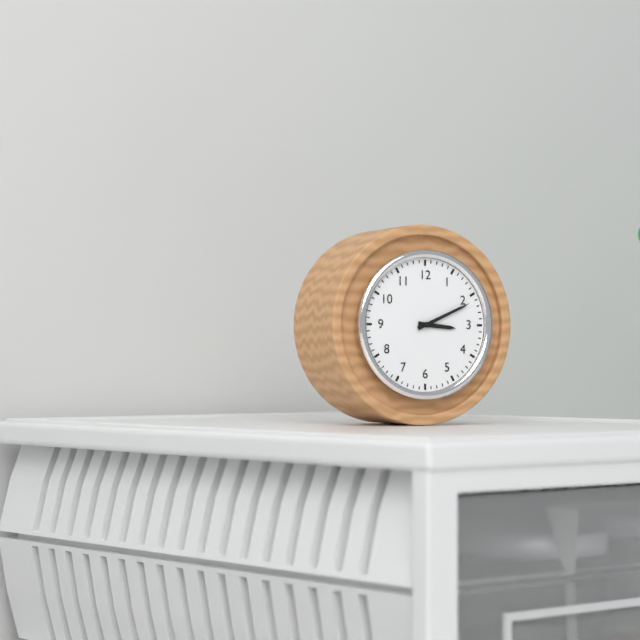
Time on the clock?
3:11
